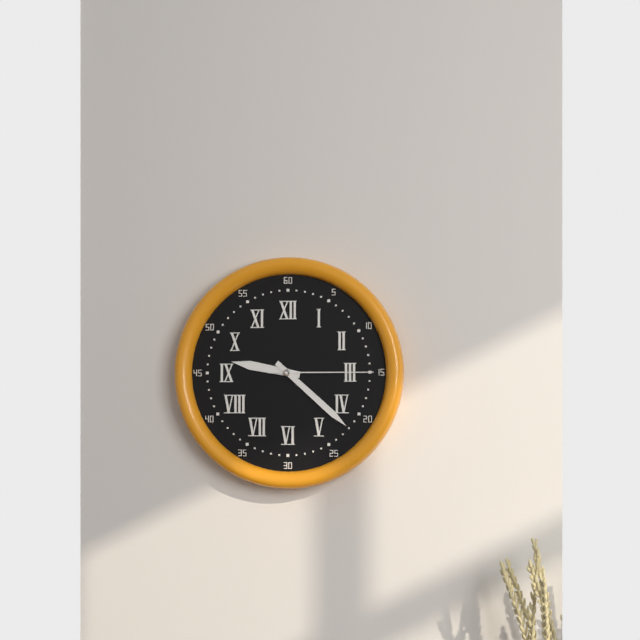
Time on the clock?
9:22:15
